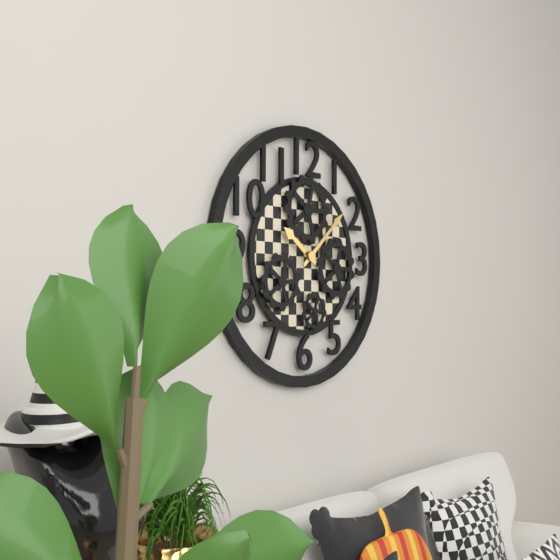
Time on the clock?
10:08
